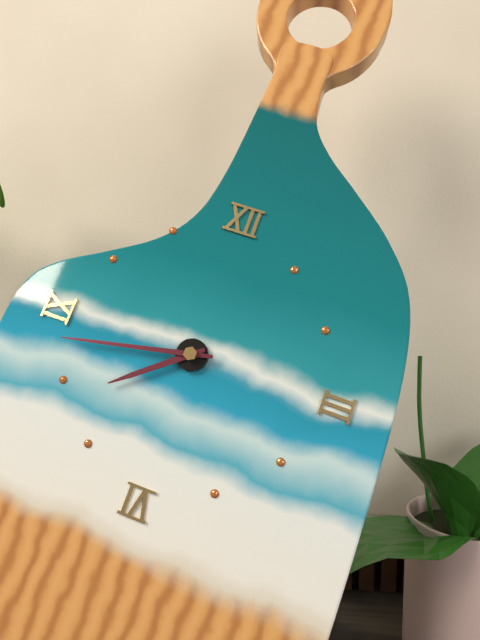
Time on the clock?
7:43
